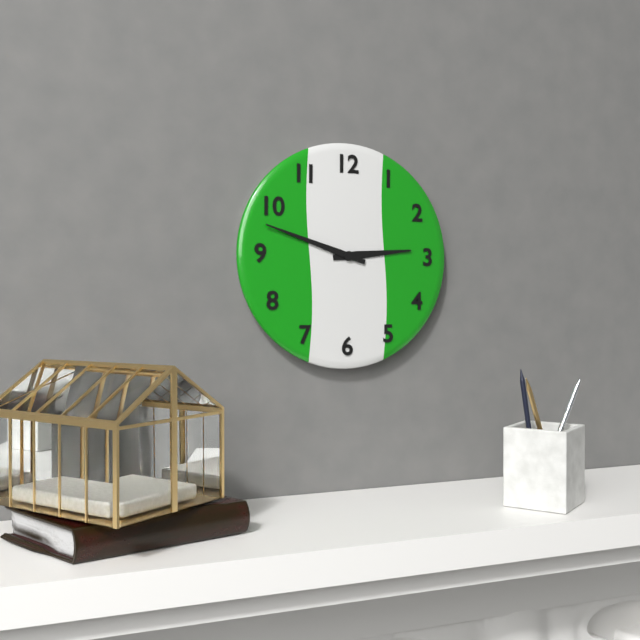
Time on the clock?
2:48
